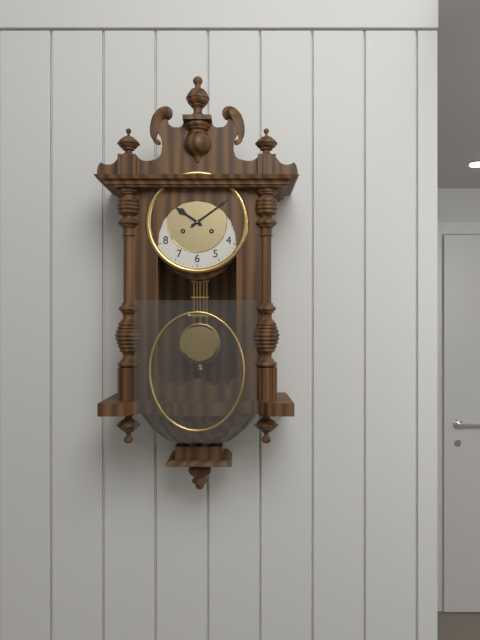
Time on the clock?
10:09
